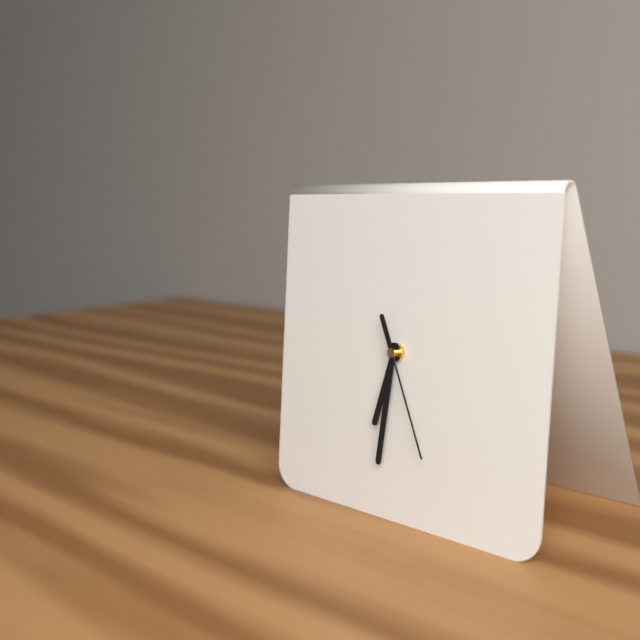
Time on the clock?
6:31:26
